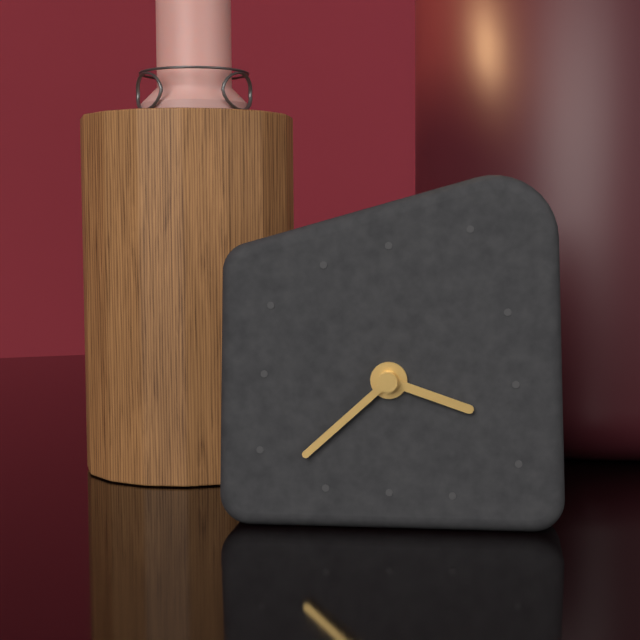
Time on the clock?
3:38
